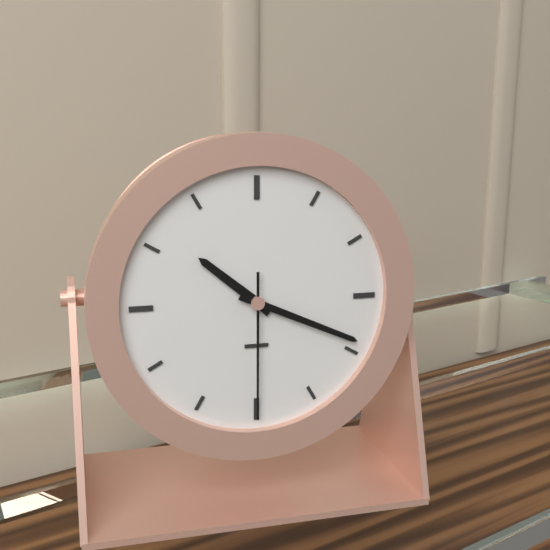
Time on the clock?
10:19:30
